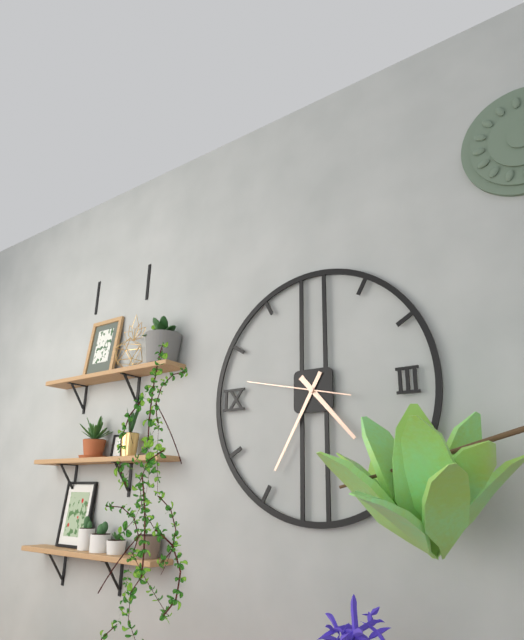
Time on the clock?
4:35:47
